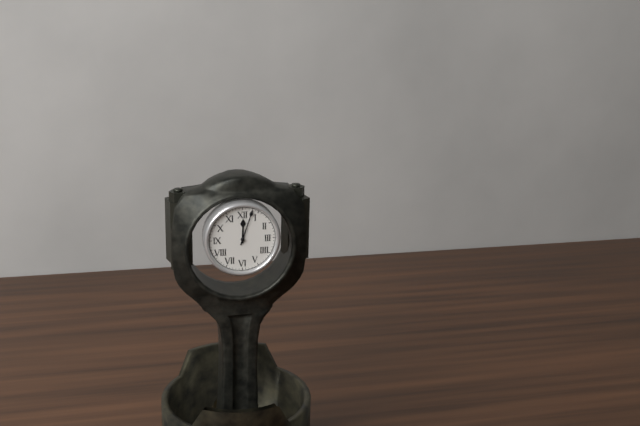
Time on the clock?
12:03
